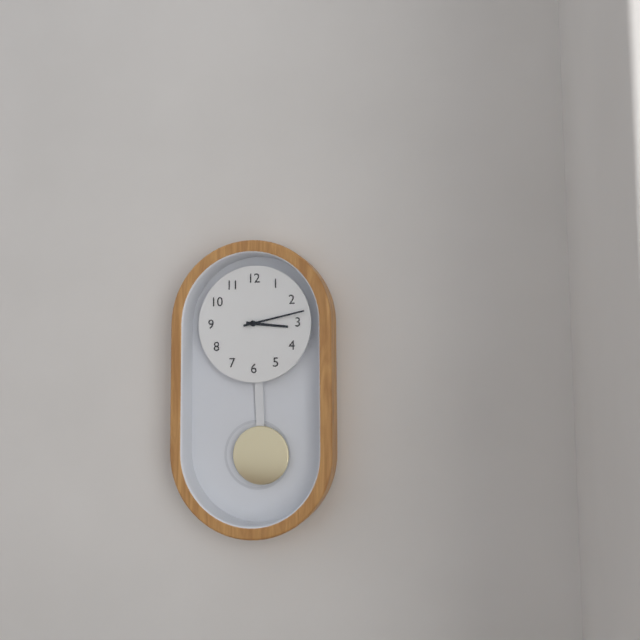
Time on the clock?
3:13
